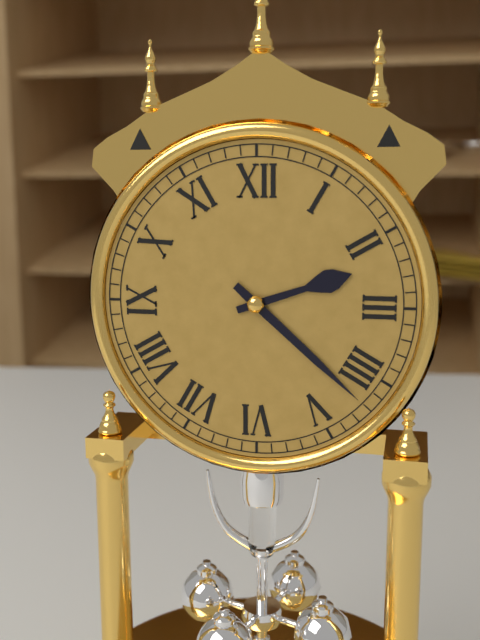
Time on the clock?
2:22
